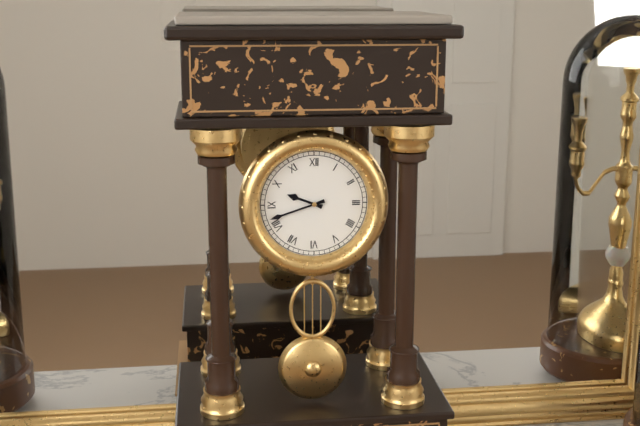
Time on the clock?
9:42
